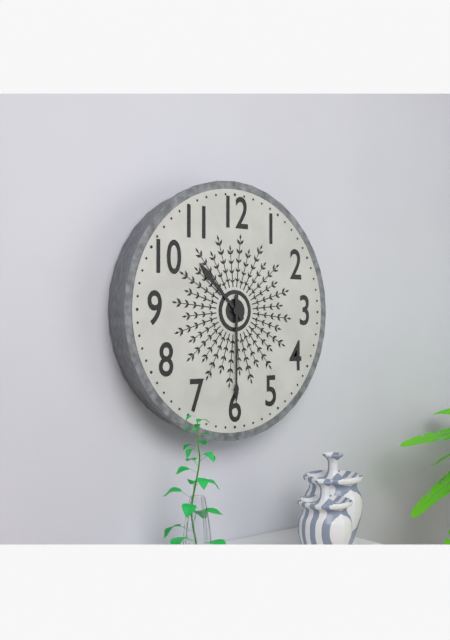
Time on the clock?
10:30
